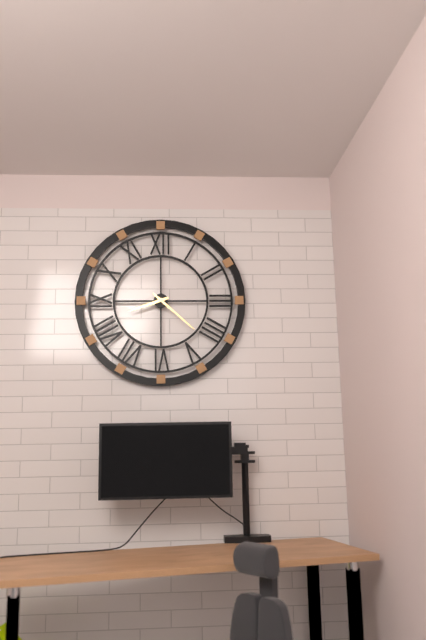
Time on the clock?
8:22
